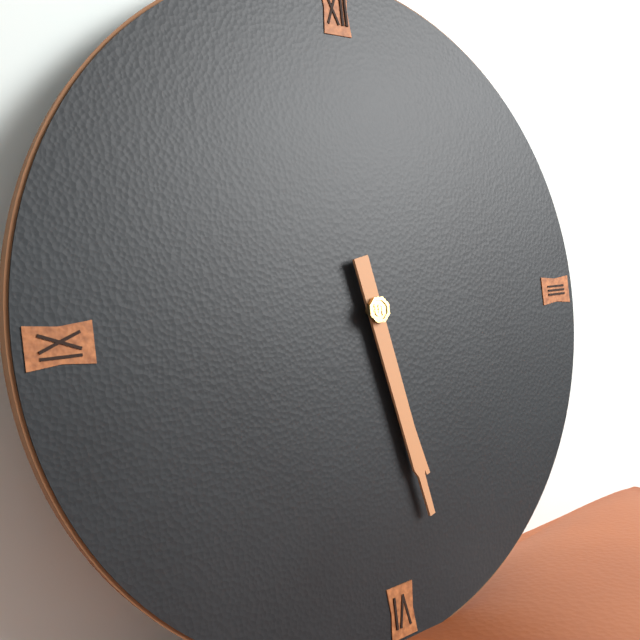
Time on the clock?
5:28
